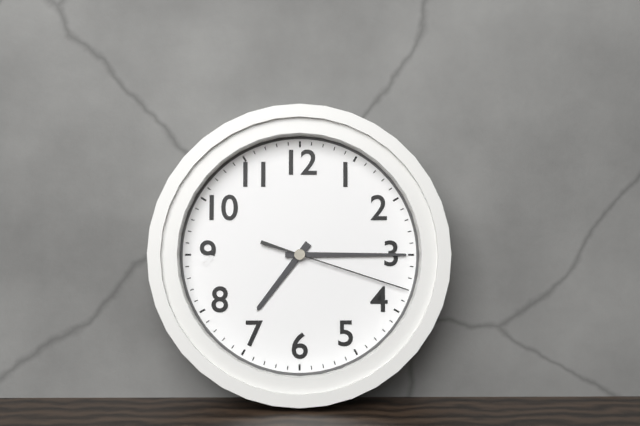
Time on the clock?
7:15:18
